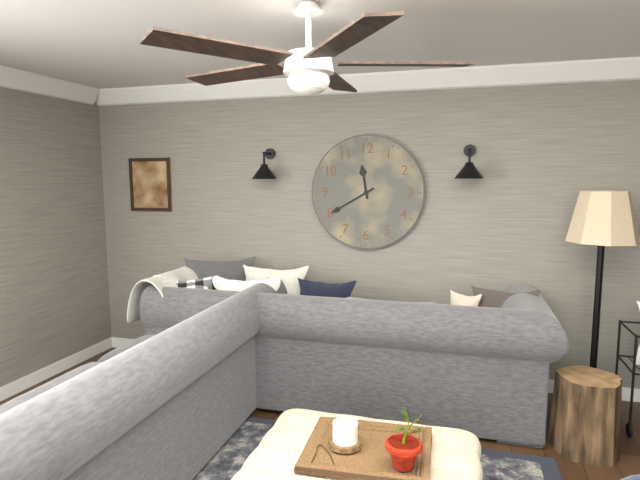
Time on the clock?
11:40
